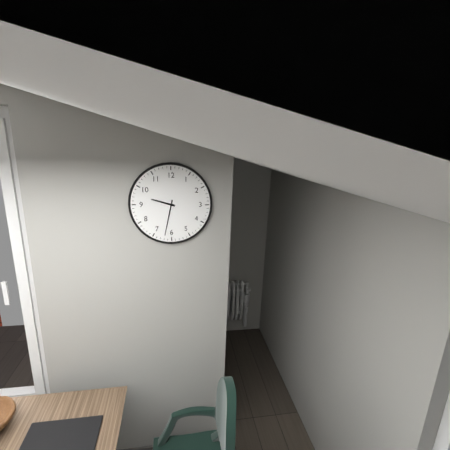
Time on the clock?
9:32
